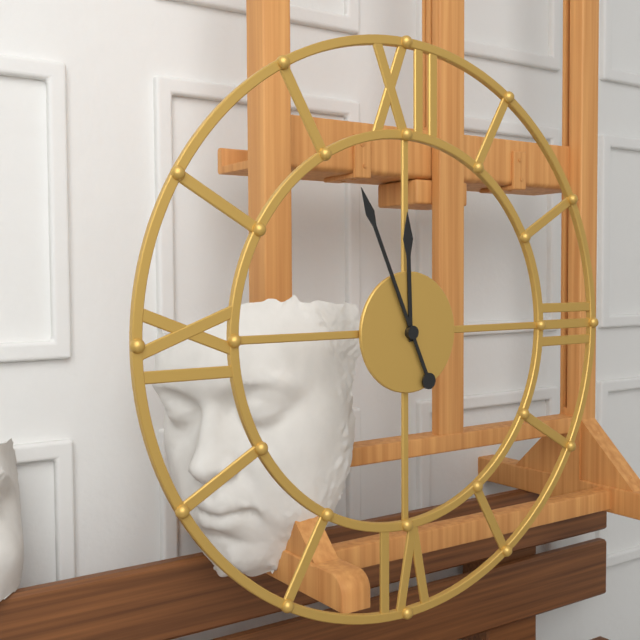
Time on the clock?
11:56
